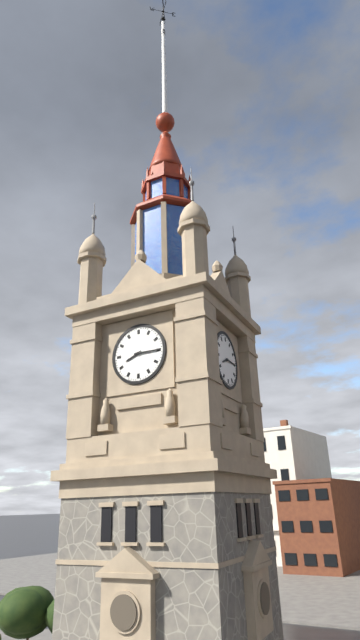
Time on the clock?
8:15
